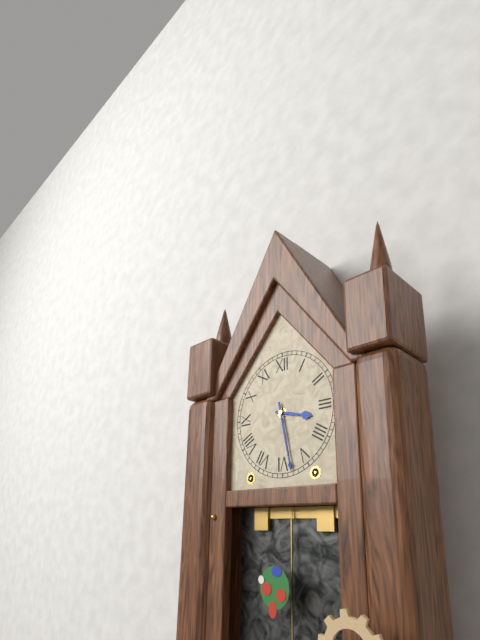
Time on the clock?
3:28
